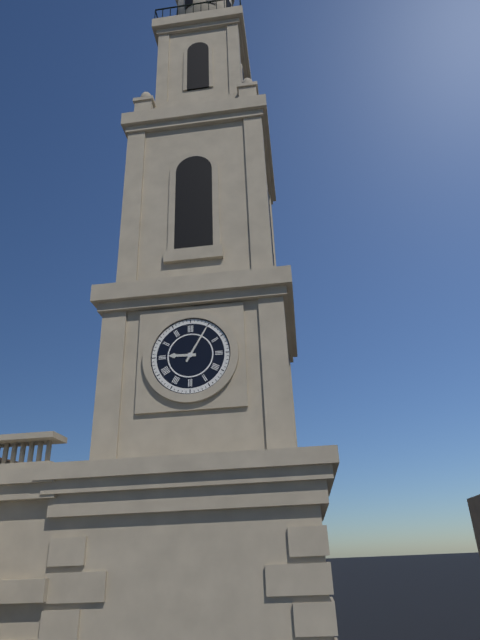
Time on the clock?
9:05
